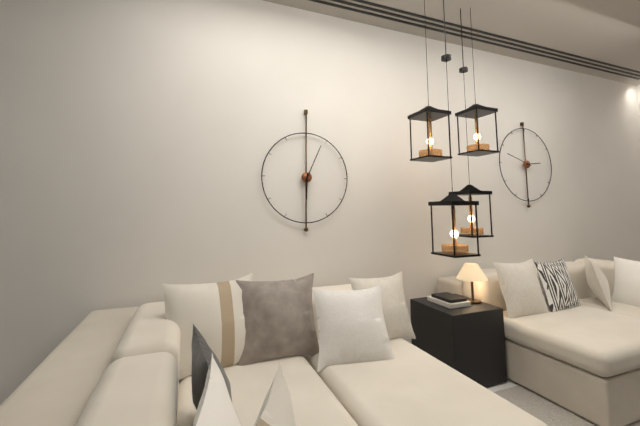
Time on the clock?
6:04
